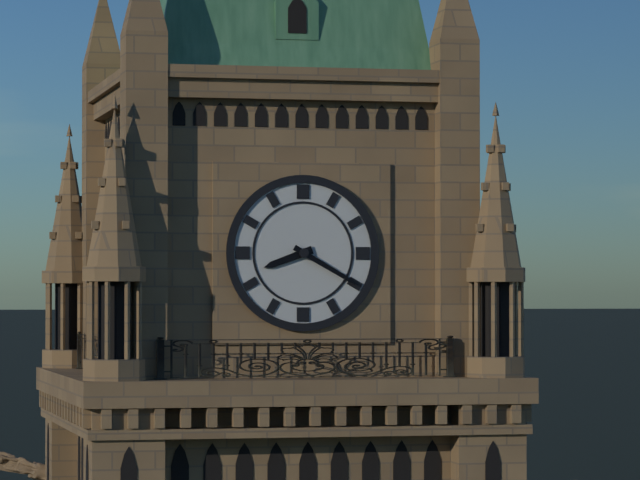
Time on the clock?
8:20
